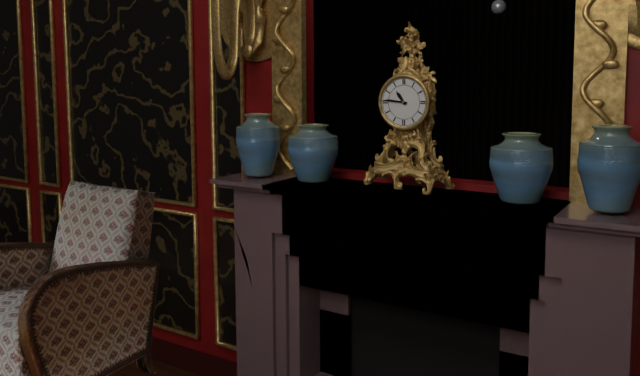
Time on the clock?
10:46
